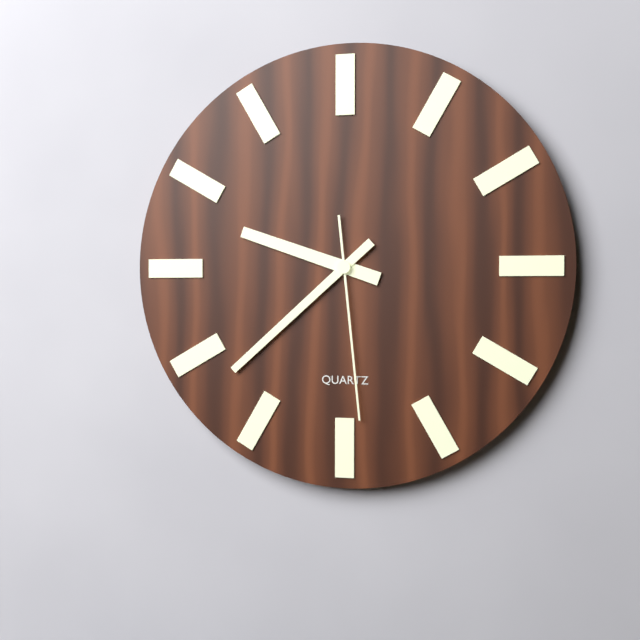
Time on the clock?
9:38:29
